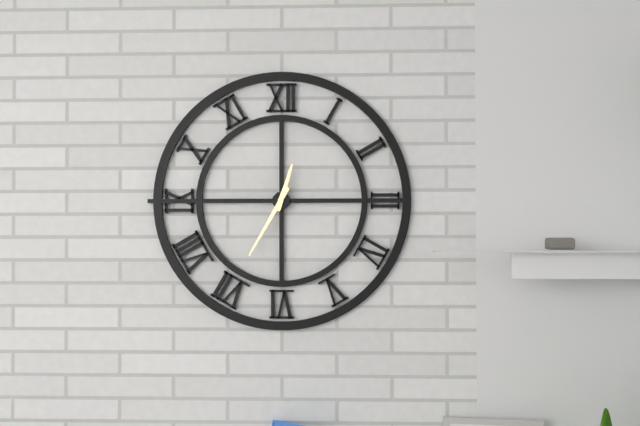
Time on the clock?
12:35
